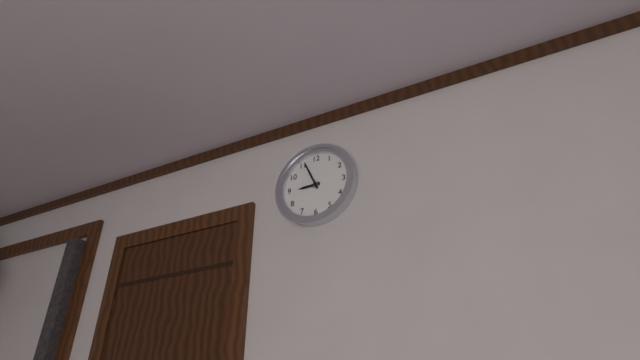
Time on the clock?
8:56
